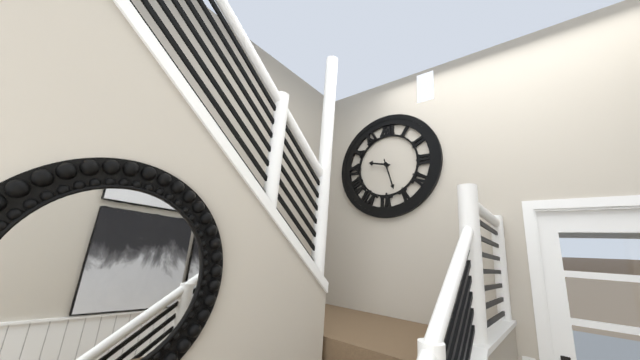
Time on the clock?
9:27
